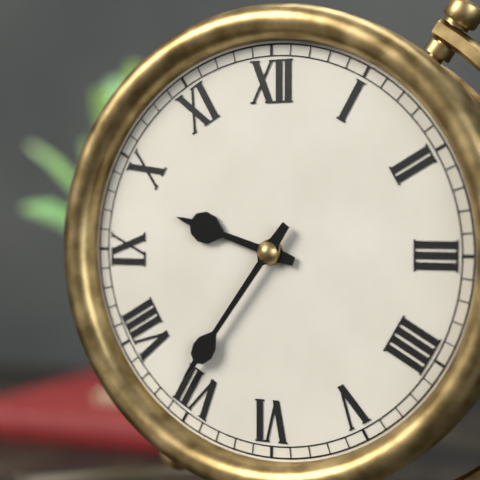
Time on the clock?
9:36
